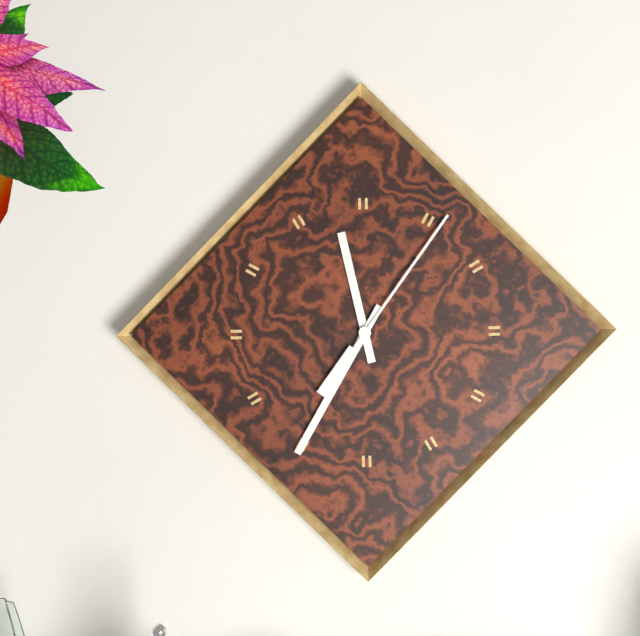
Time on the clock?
11:35:06
